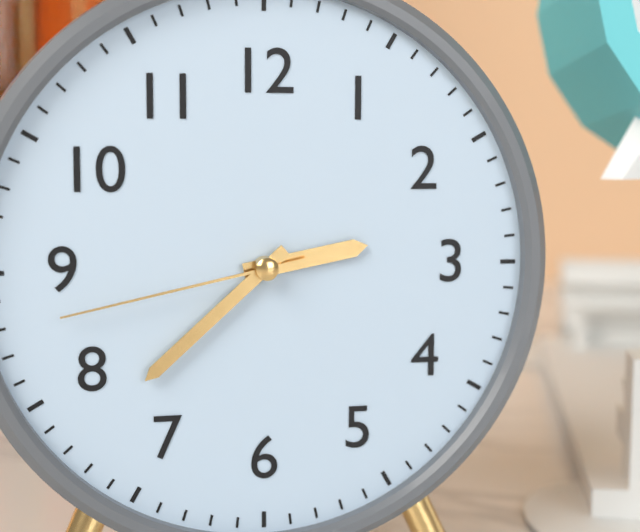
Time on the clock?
2:38:43
